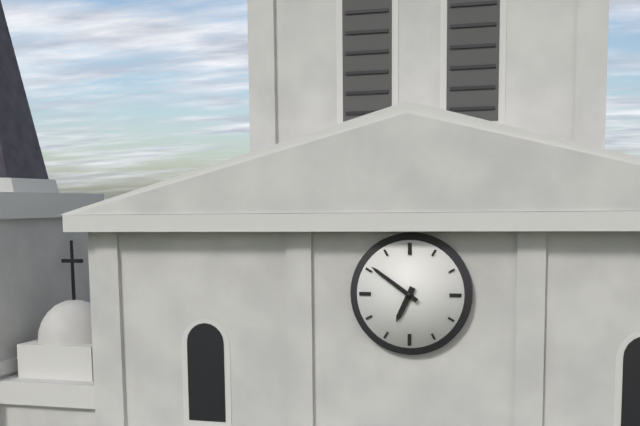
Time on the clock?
6:51
